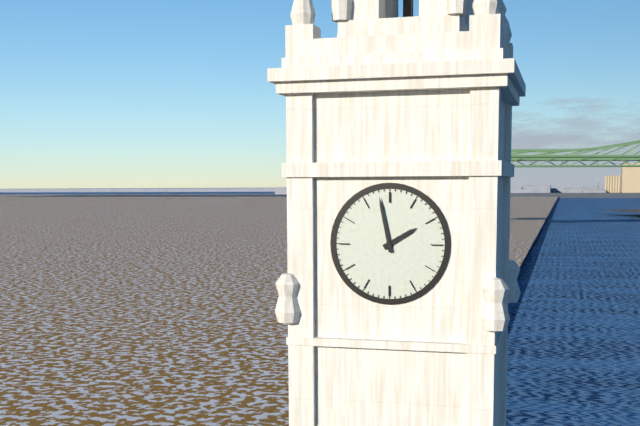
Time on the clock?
1:58
